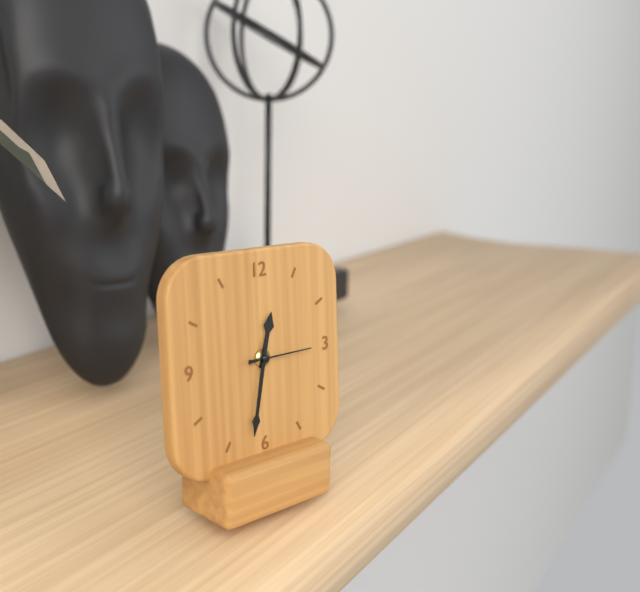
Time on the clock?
12:32:15
